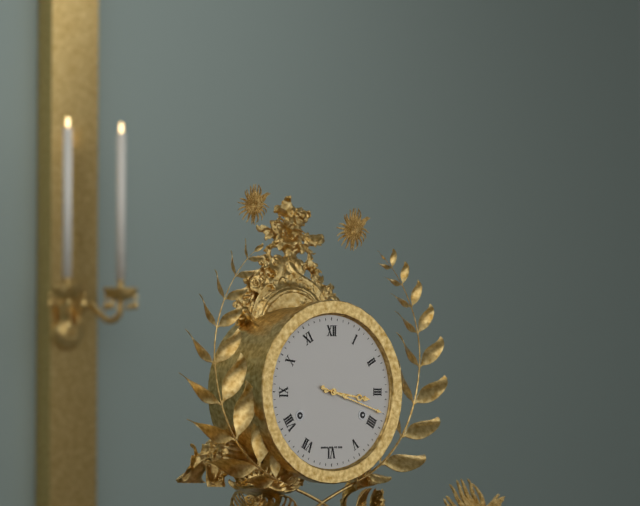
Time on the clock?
3:18
